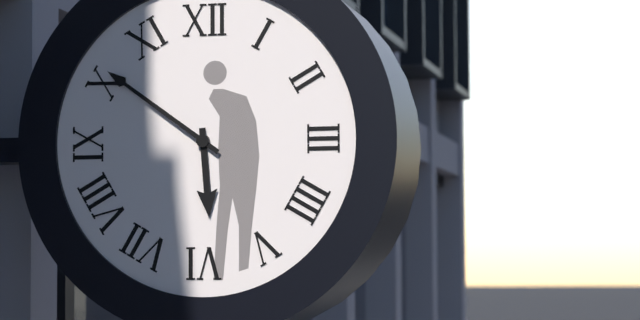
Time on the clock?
5:51
